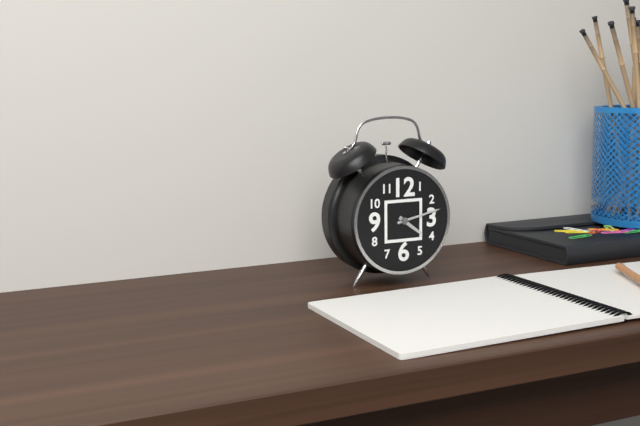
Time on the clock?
4:13
